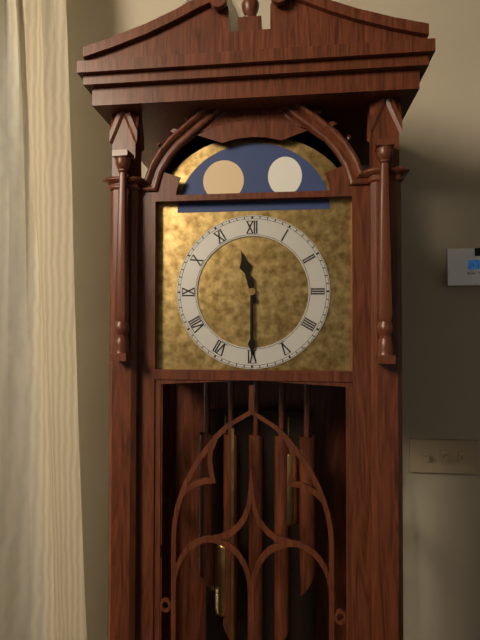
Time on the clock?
11:30
